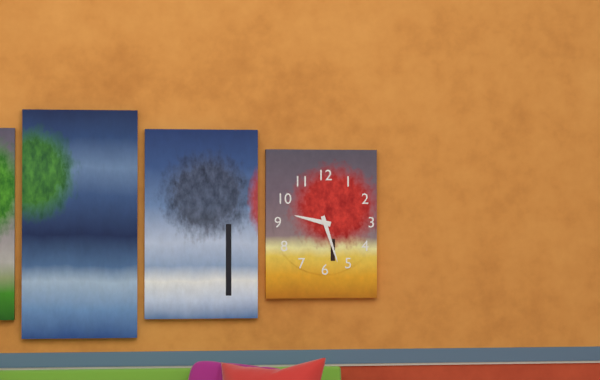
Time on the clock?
9:27
